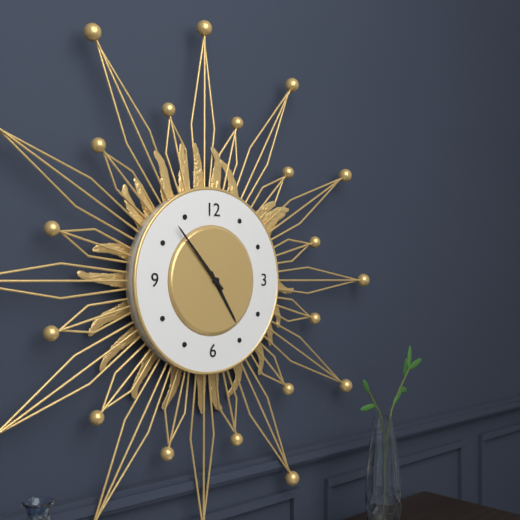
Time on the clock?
4:53
